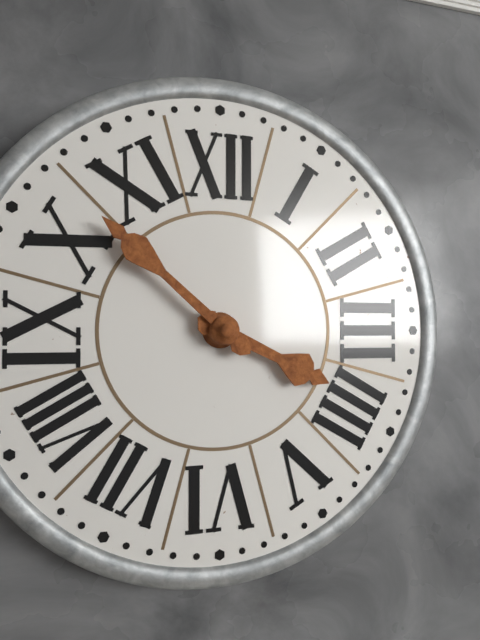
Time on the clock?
3:52
